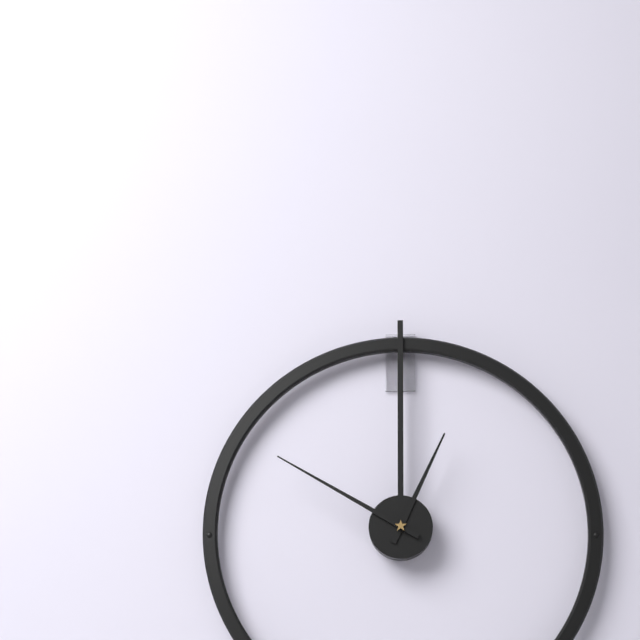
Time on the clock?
12:50
